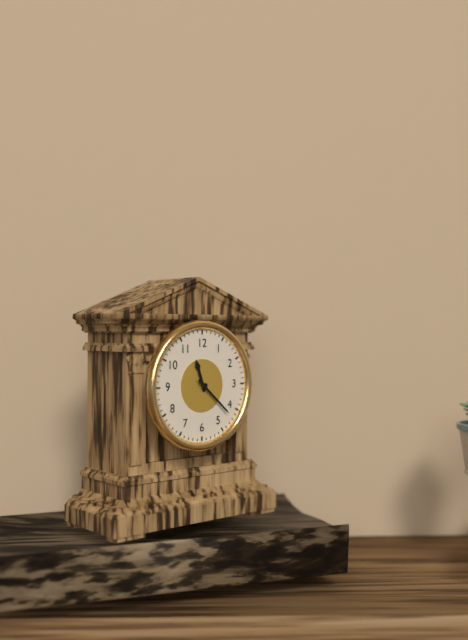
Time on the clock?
11:22
